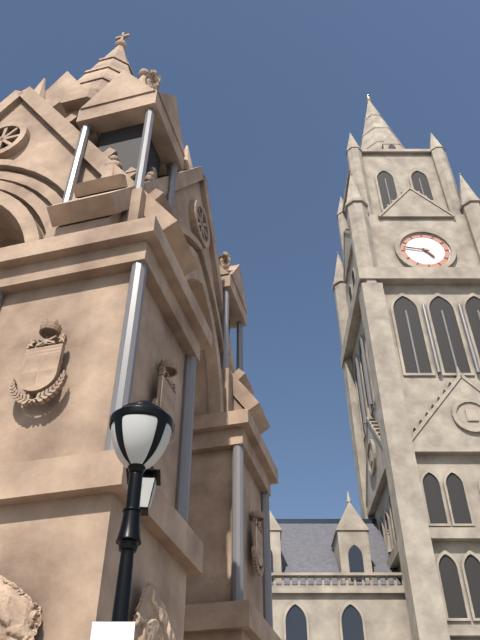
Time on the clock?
4:47
